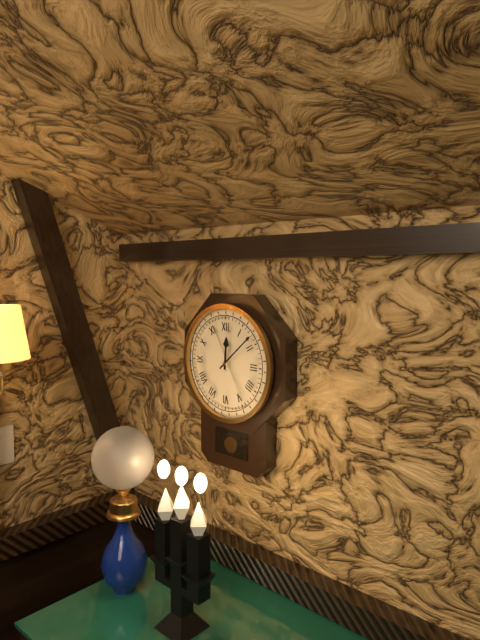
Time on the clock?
12:08
